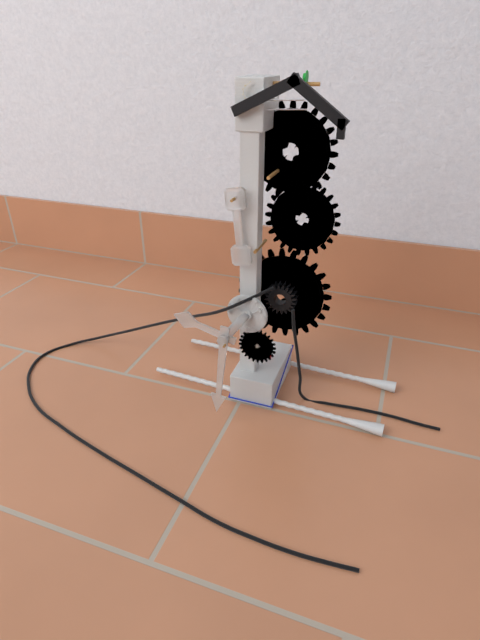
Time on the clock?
9:31
